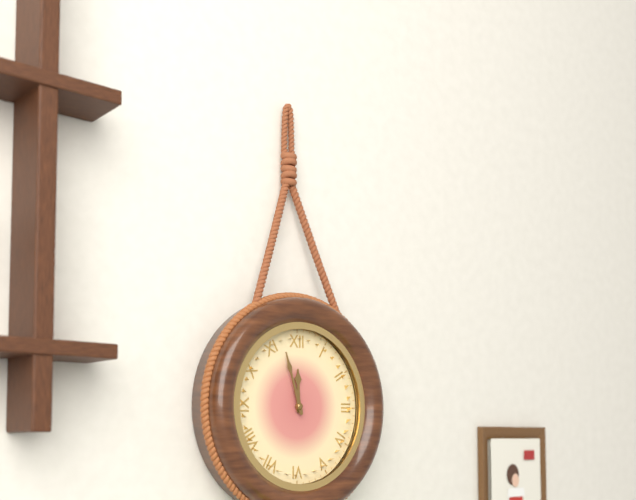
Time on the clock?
11:57
